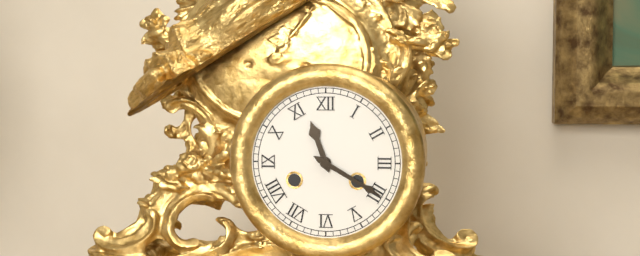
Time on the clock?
11:20
